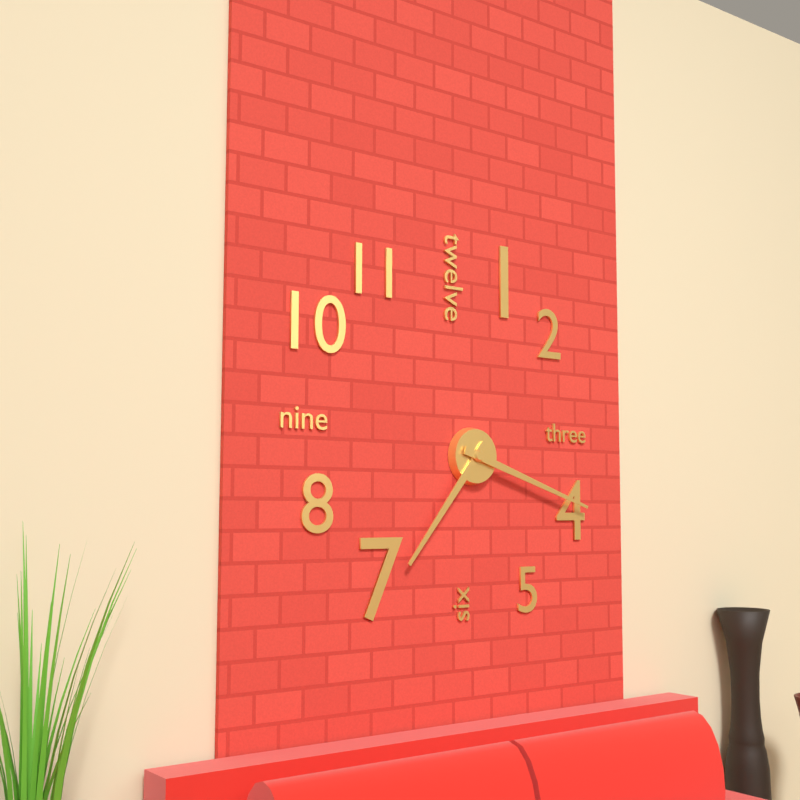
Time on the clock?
7:18
